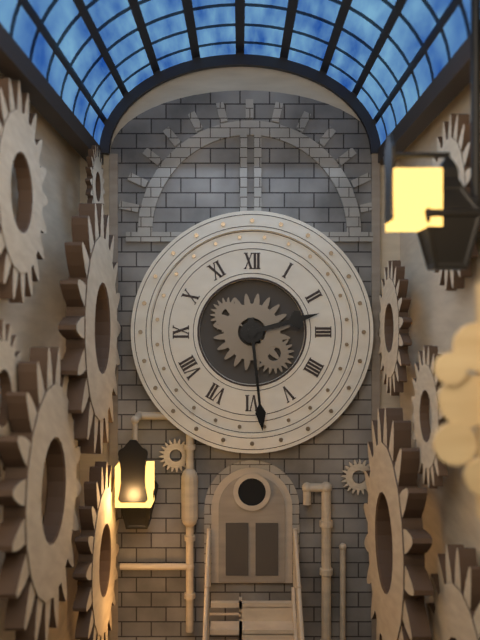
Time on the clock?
2:29
